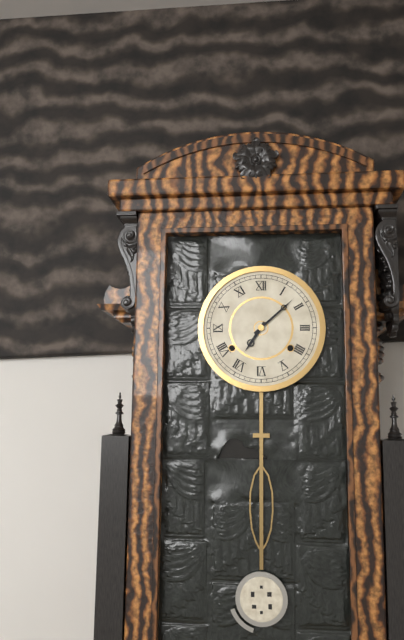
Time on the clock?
7:08
